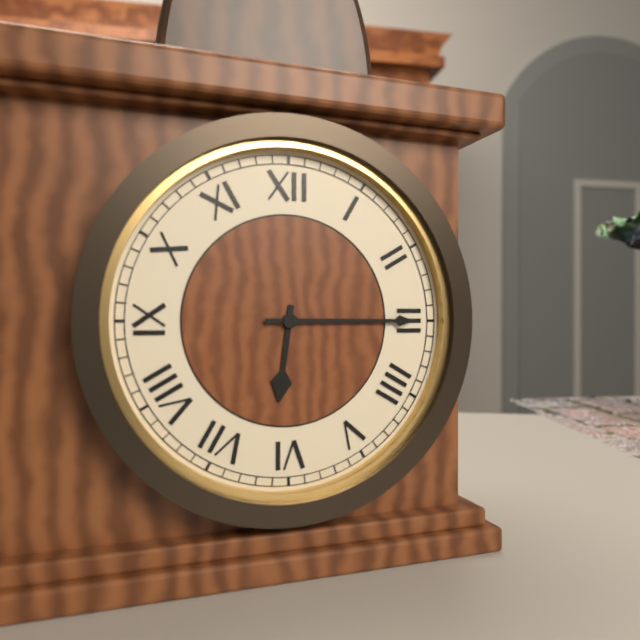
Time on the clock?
6:15
